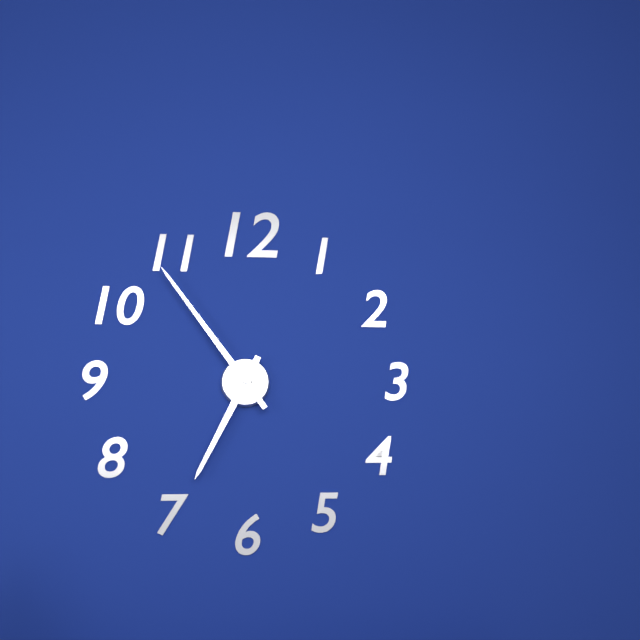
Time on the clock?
6:54
